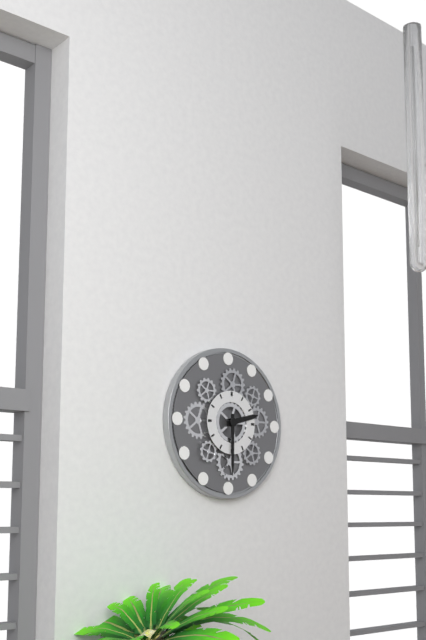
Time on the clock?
2:30
